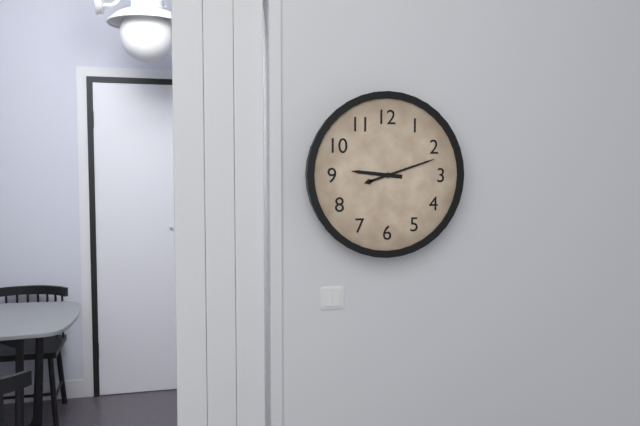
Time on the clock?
9:12
